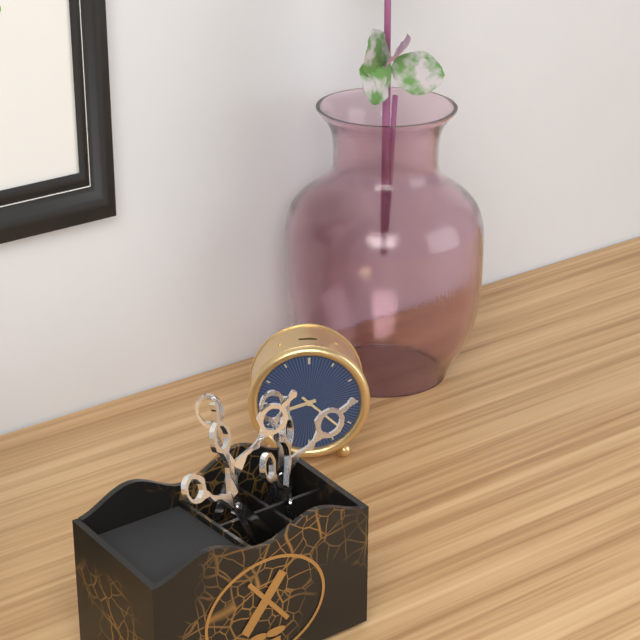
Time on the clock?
8:22
